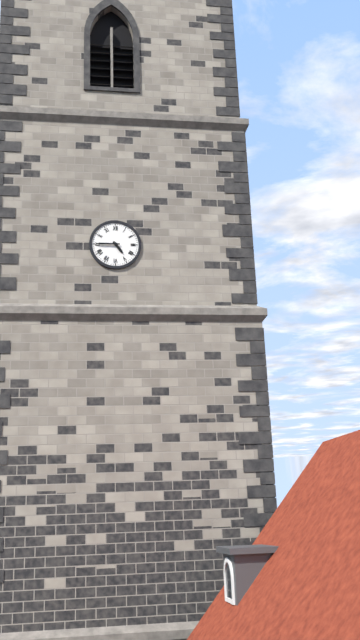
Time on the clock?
4:45
